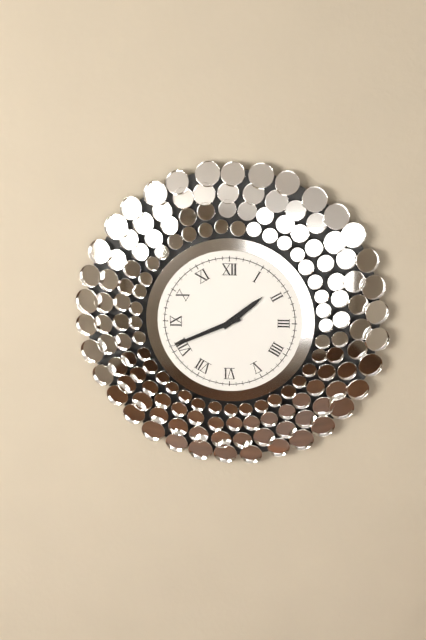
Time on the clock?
1:41
